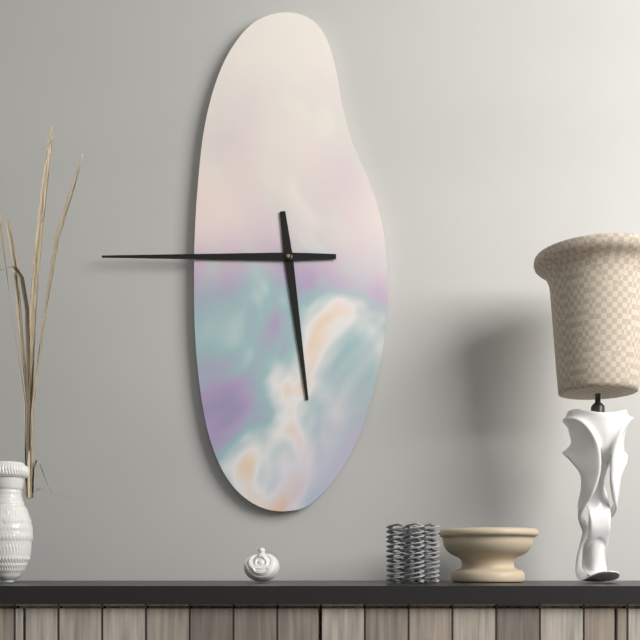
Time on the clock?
5:45
